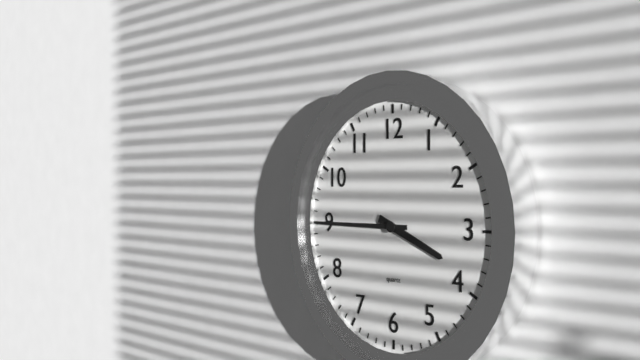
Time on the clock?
3:45
